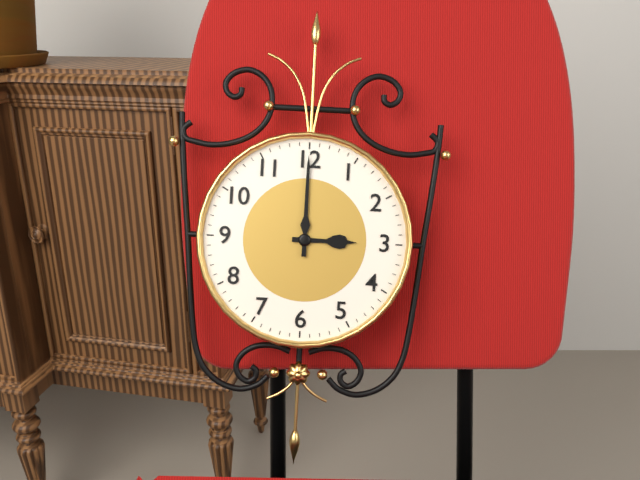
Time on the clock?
3:00
